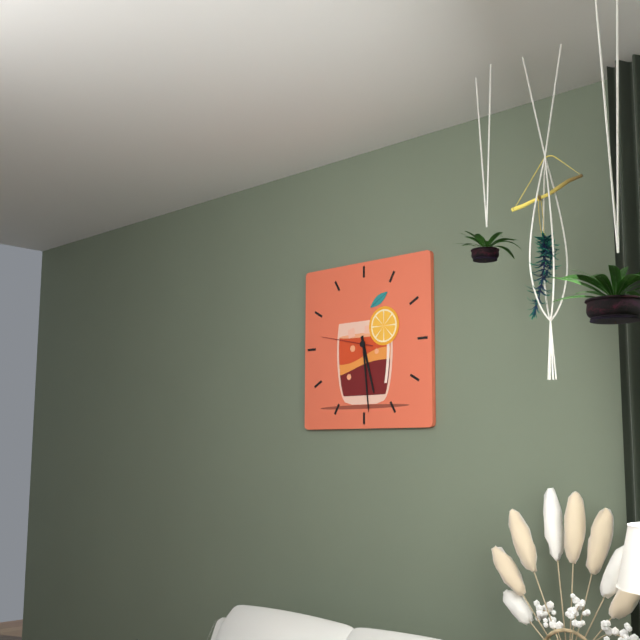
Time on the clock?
5:29:47
